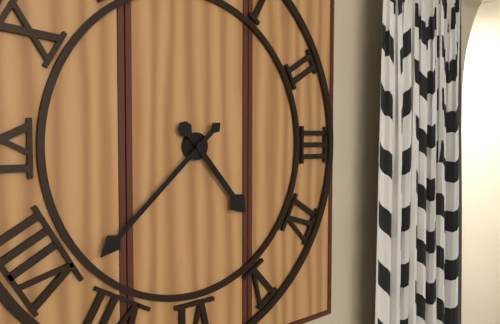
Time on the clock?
4:38
